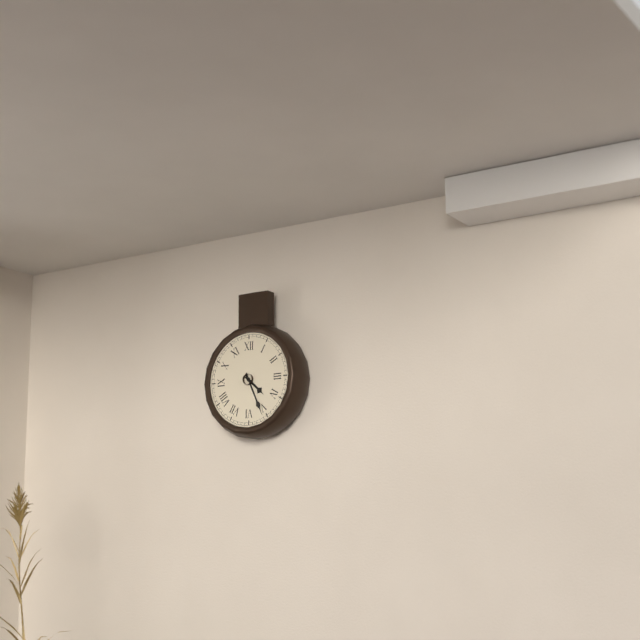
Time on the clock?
4:26
